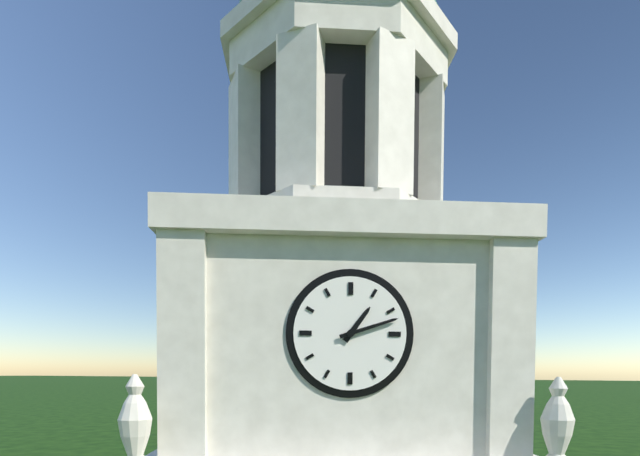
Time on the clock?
1:12
